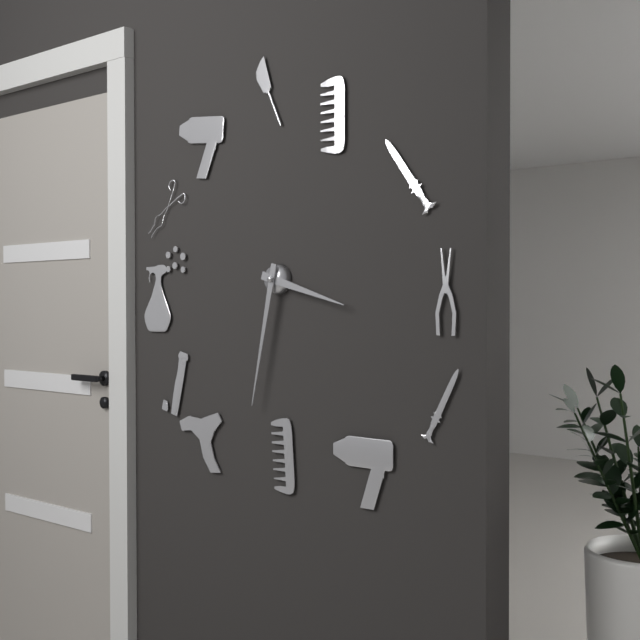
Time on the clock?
3:32
